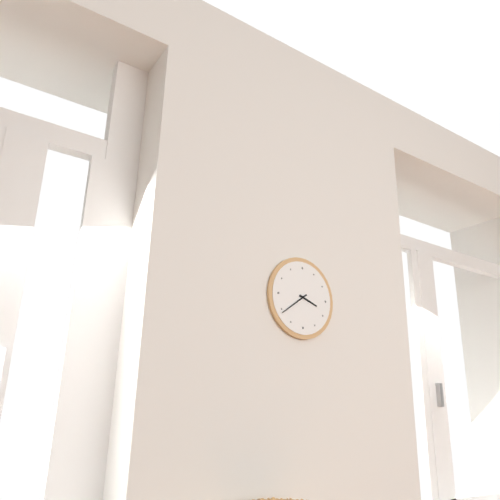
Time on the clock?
3:39
